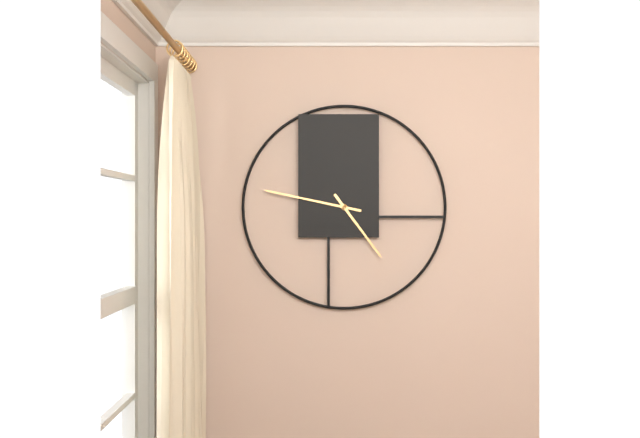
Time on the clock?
4:47
